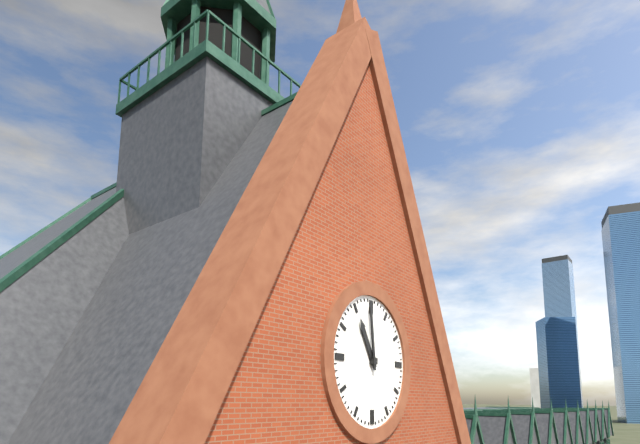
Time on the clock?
10:59
